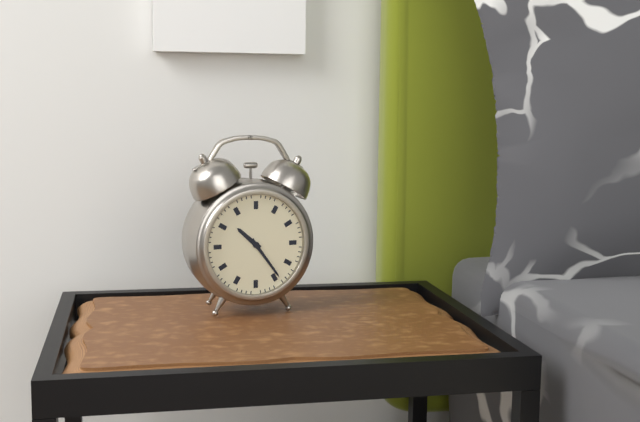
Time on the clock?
10:24
